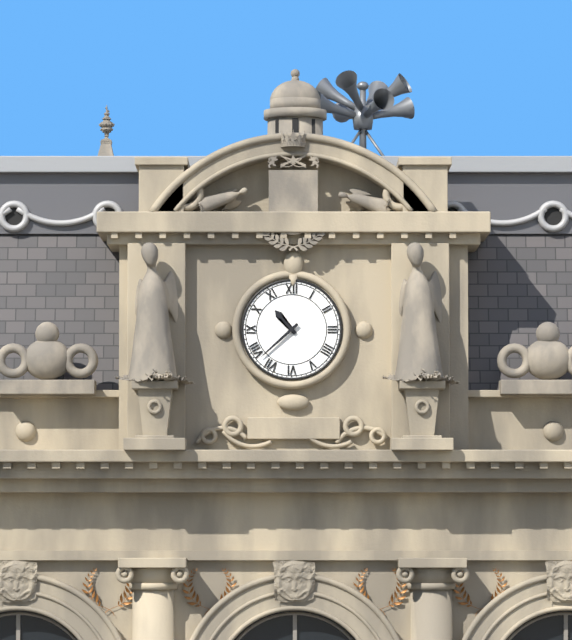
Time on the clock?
10:38
